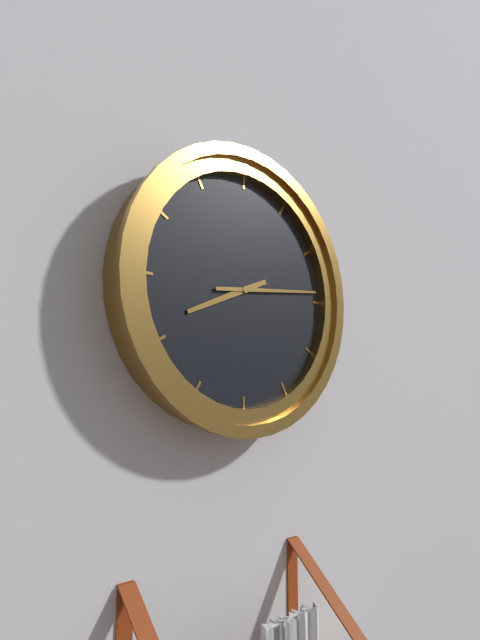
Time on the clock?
8:14
